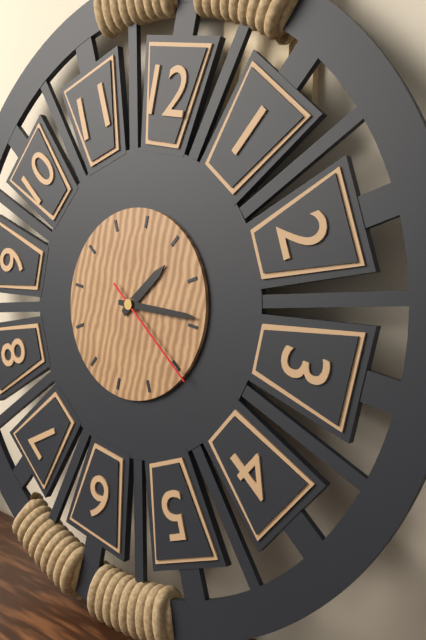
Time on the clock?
1:14:20
